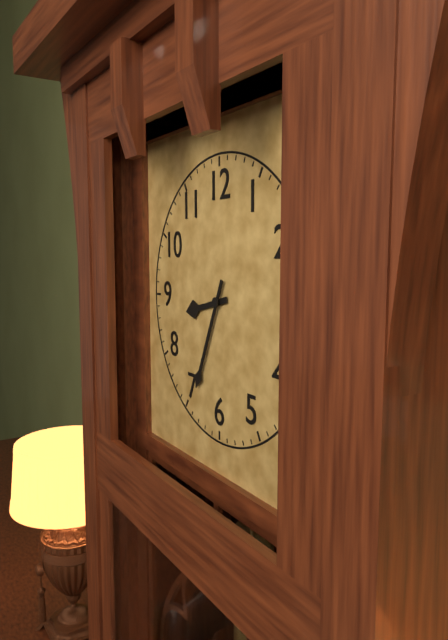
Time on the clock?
8:34
